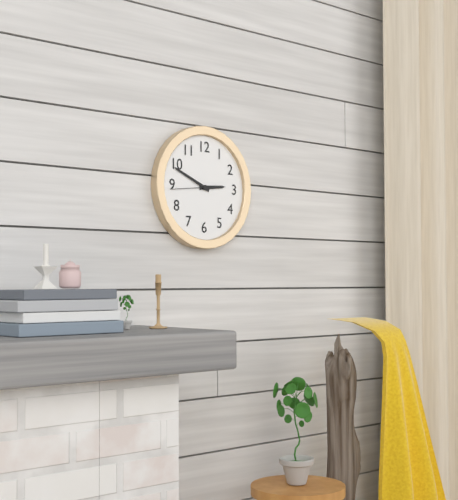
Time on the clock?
2:49
